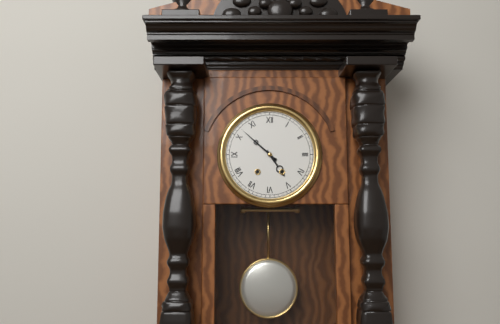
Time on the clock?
4:52
